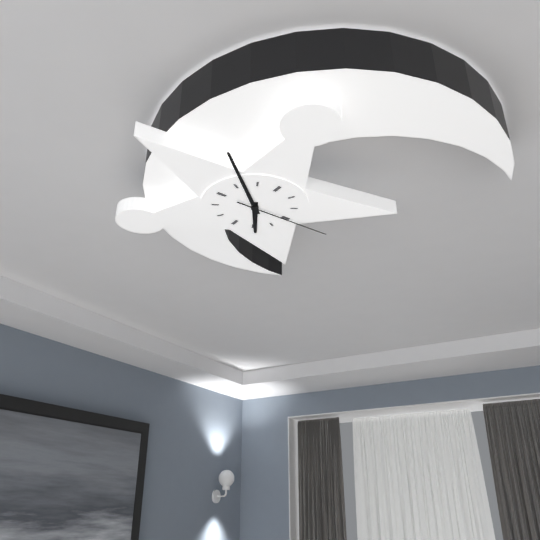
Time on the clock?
4:52:15
